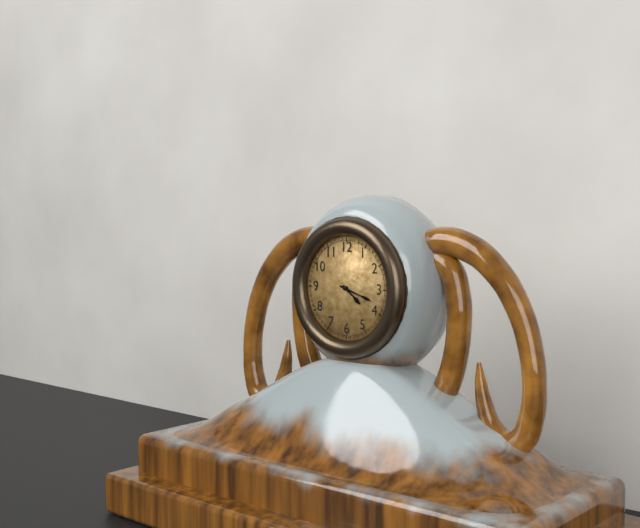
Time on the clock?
4:18
